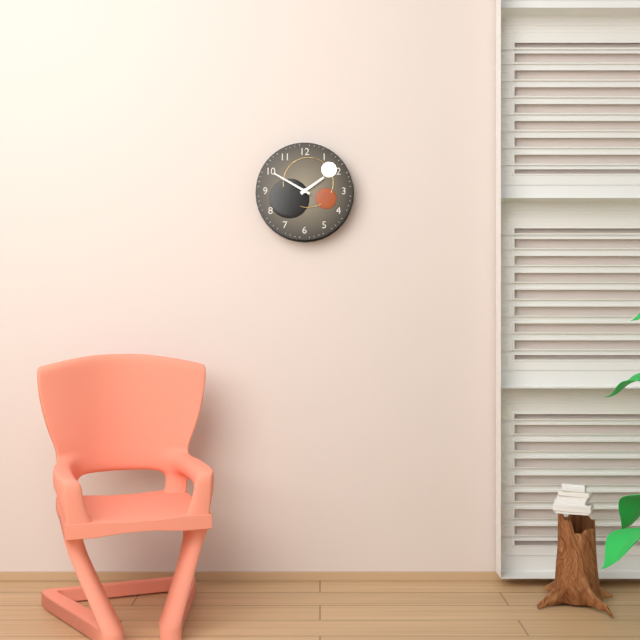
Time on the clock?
1:50
